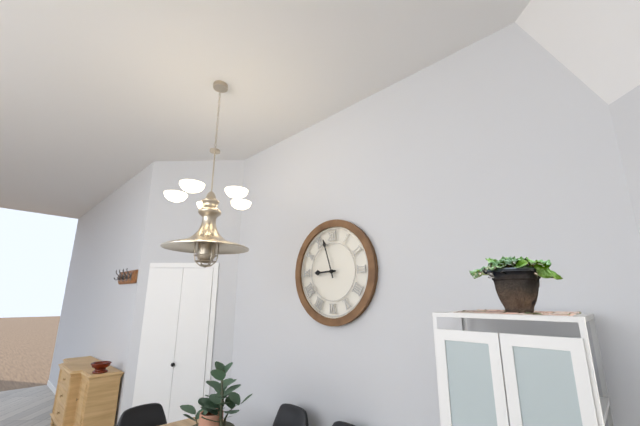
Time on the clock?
8:57
